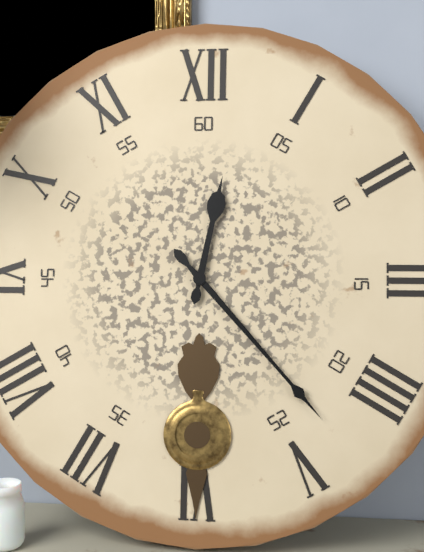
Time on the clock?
12:23
